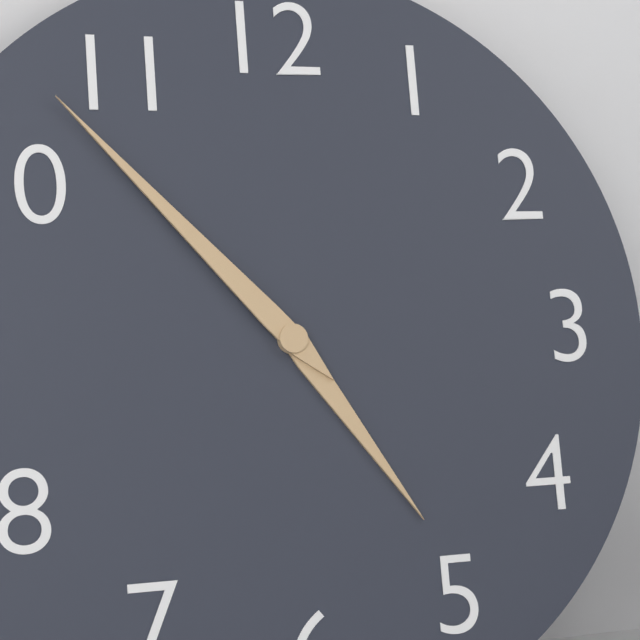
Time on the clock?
4:53
